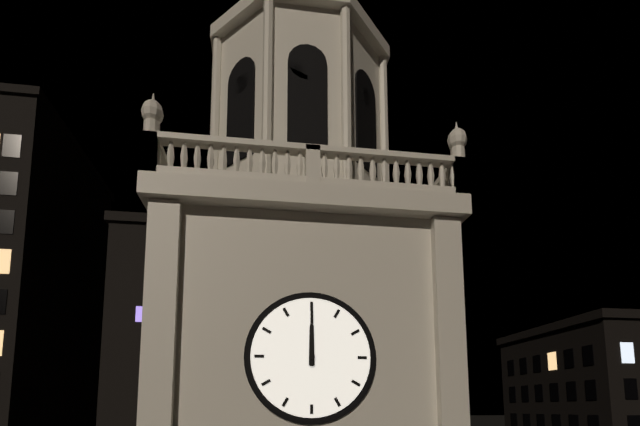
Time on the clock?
12:00
